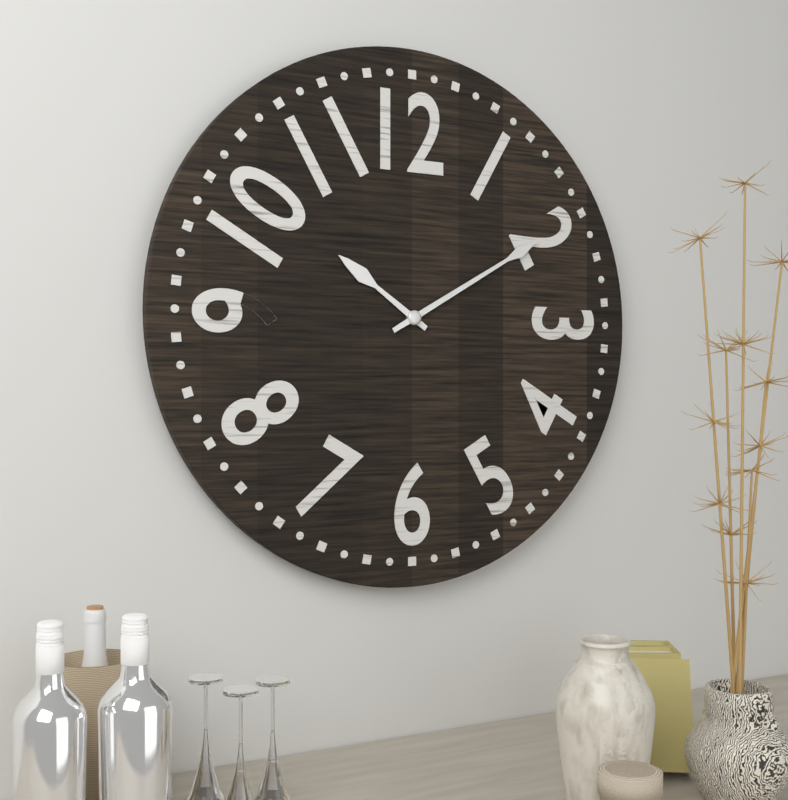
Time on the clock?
10:10
